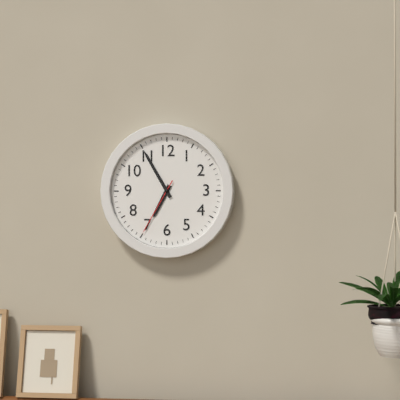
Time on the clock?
6:55:35
